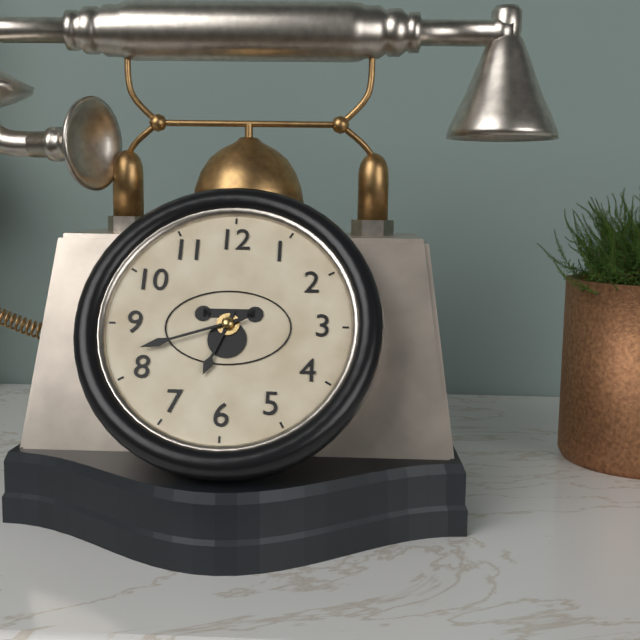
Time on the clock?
6:42
